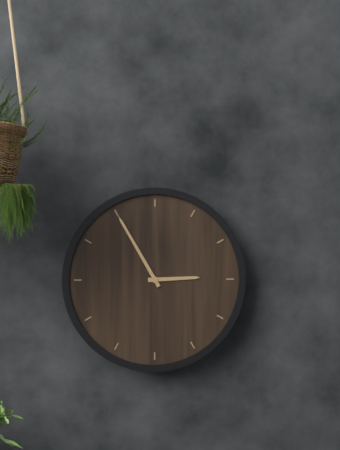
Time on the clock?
2:55
